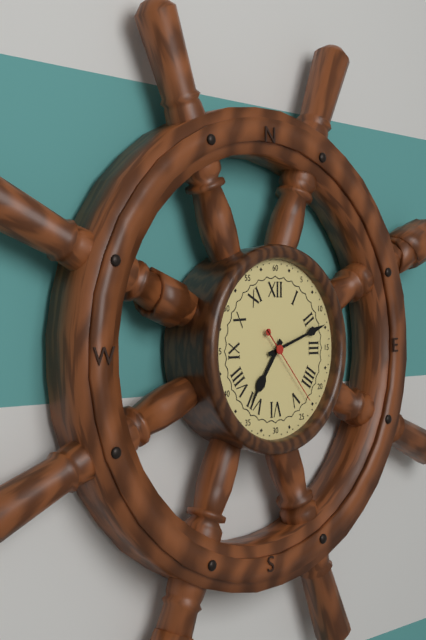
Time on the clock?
7:12:23
